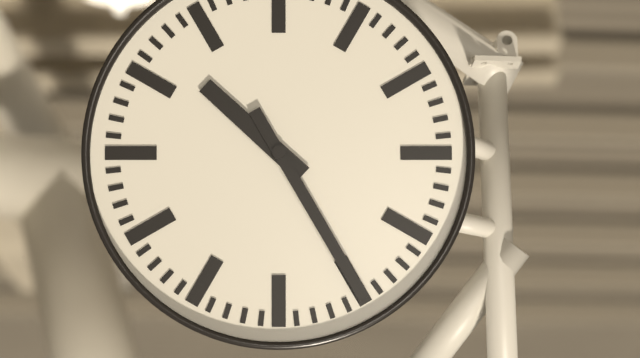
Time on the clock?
10:25
